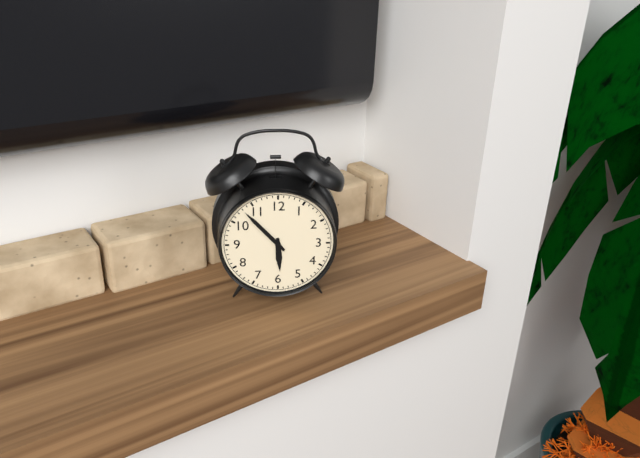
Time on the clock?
5:53
